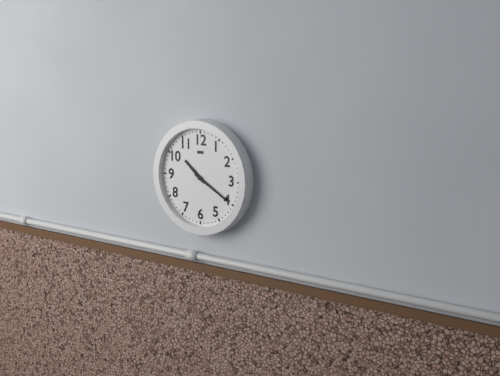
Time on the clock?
10:20
